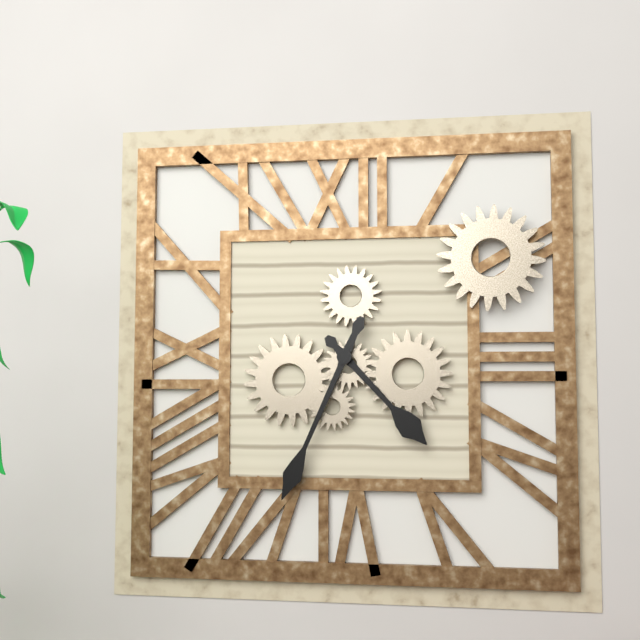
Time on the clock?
4:34
